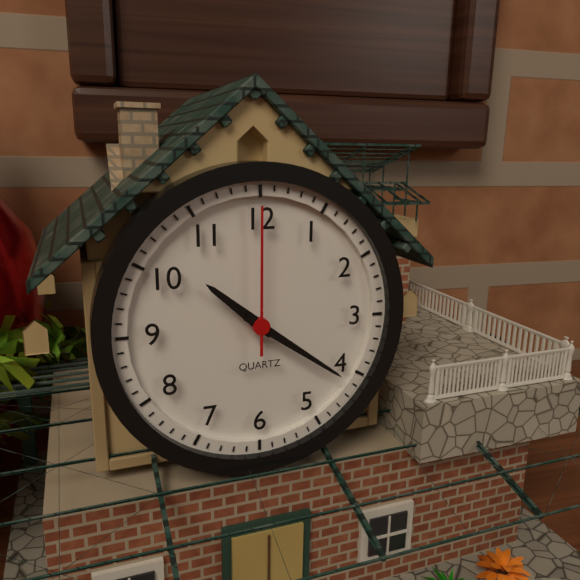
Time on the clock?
10:21:00
